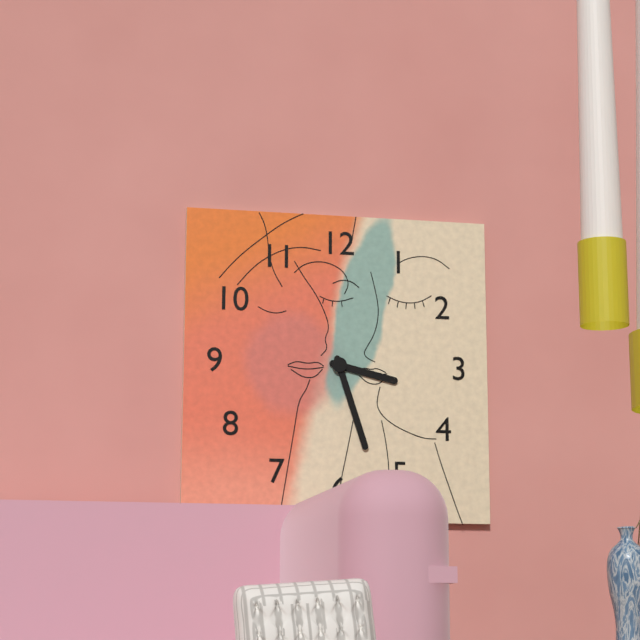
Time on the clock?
3:27
